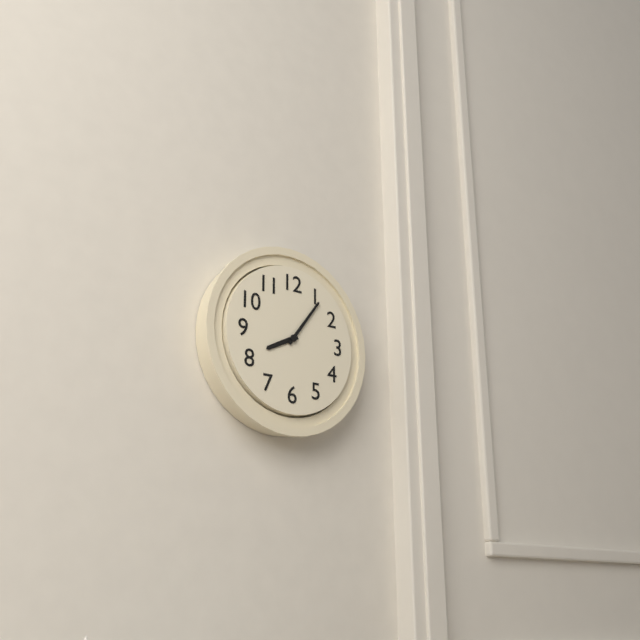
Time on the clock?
8:06
